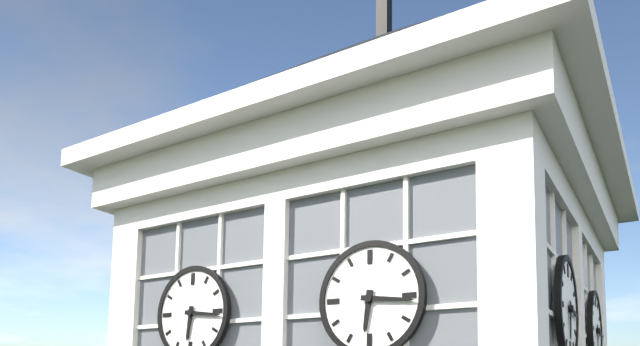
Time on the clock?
6:16
